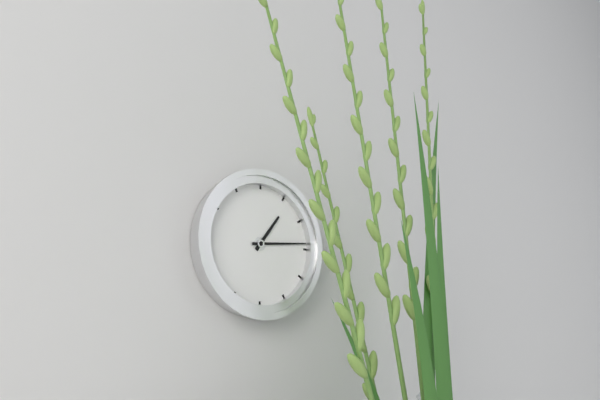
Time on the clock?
1:14
